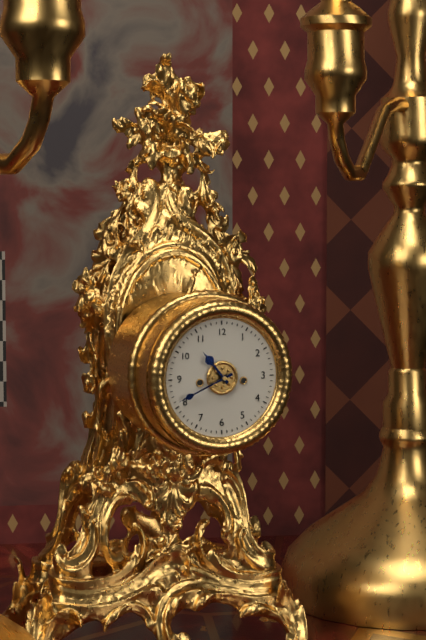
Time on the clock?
10:41
